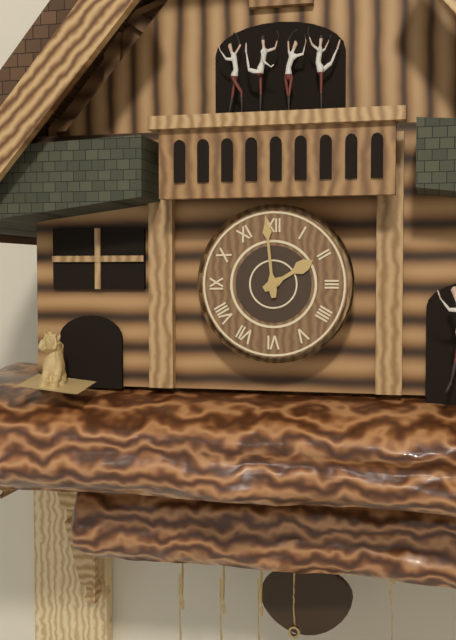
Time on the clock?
1:59
